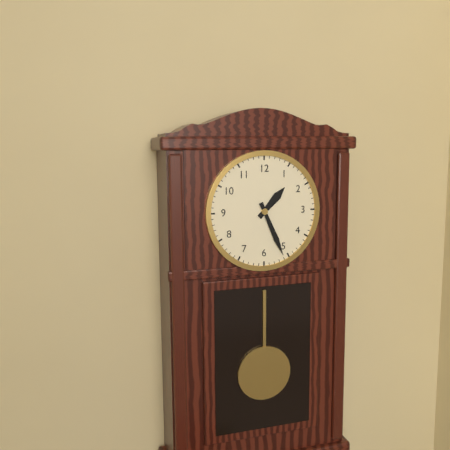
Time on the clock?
1:26
